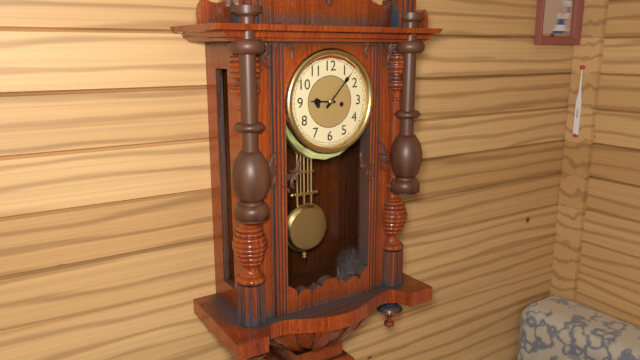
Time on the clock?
9:07
